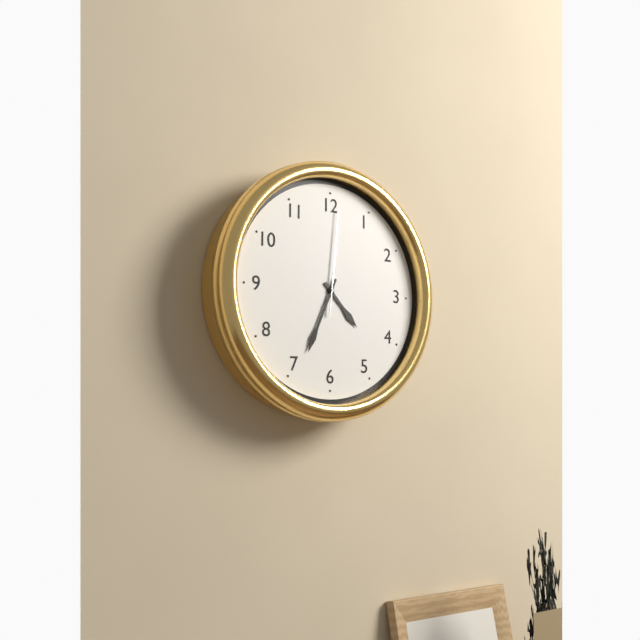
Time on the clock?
4:34:01
